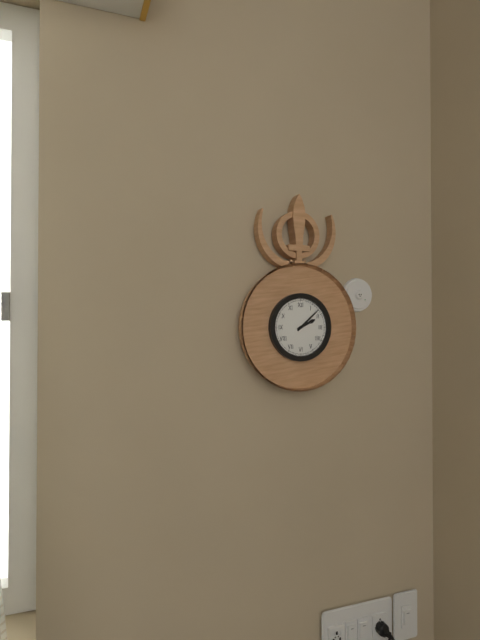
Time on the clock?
2:08
